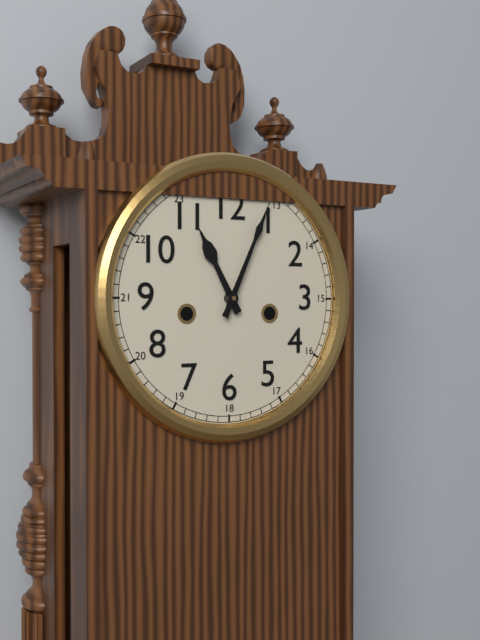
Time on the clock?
11:04
